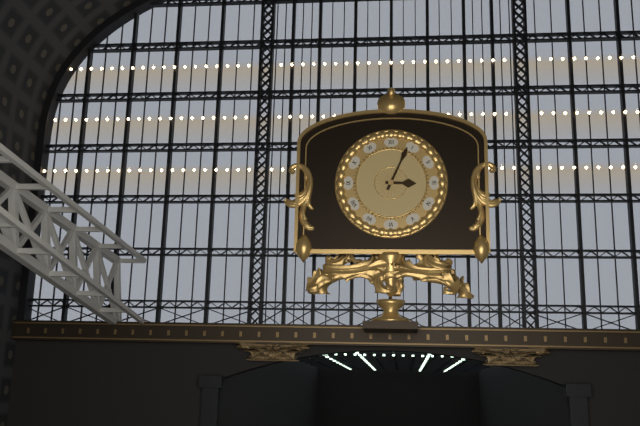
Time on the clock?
3:04
